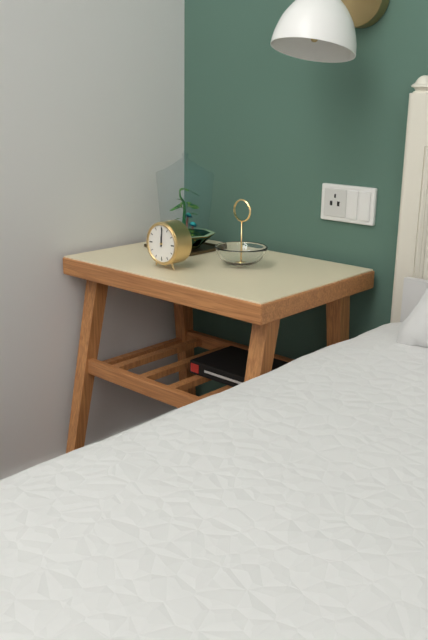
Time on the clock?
12:01
